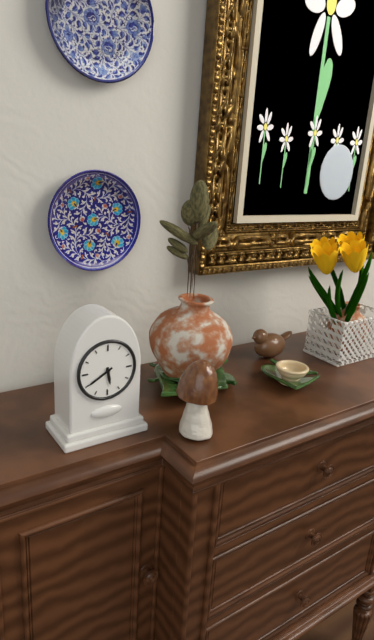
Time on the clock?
5:40
